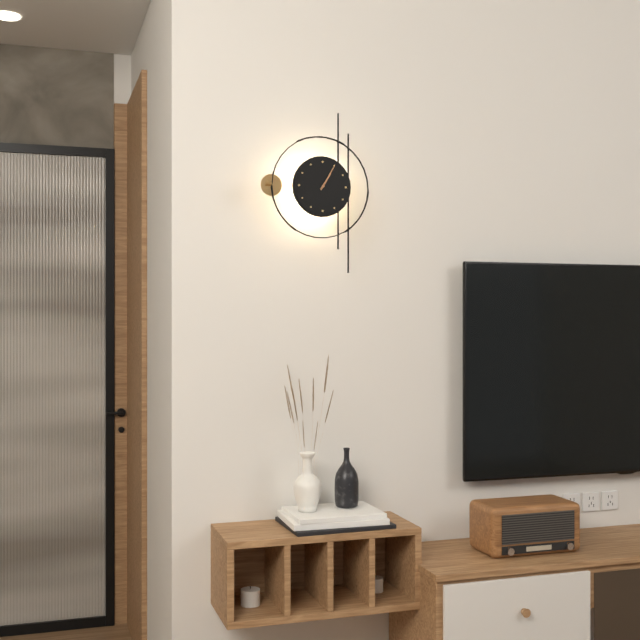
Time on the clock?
1:05
